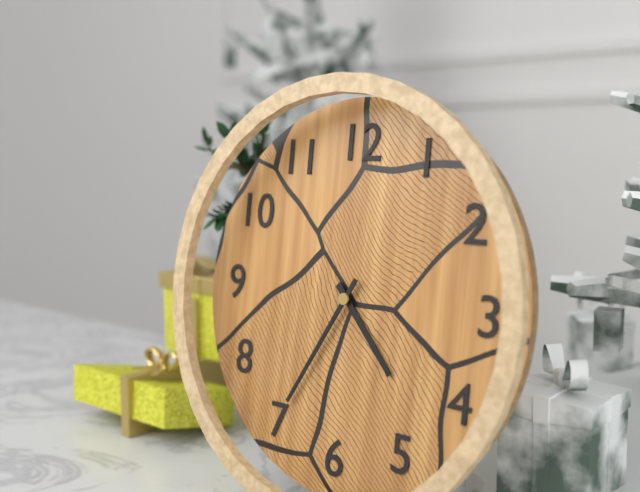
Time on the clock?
4:35
